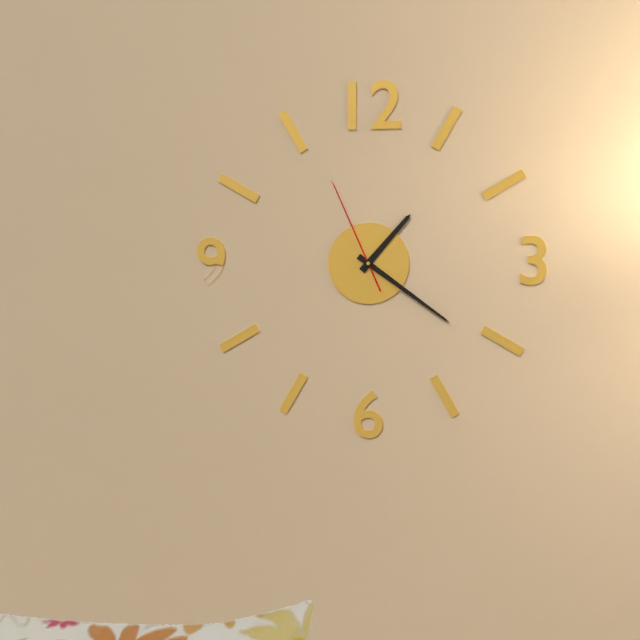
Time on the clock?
1:21:56
